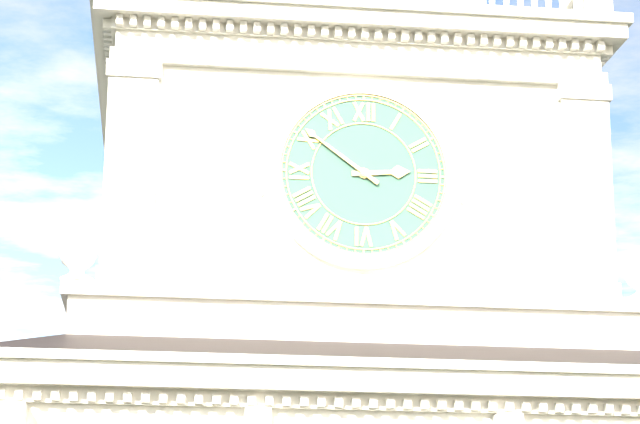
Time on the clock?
2:51
